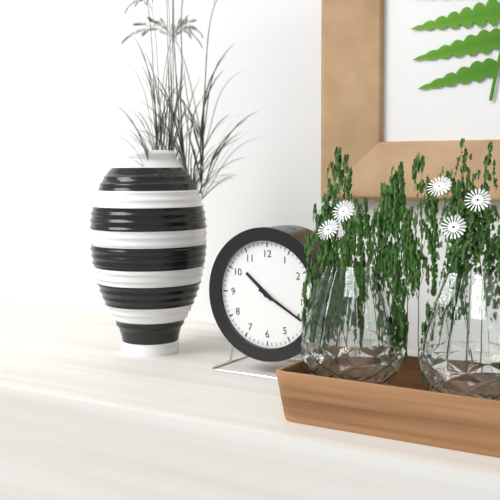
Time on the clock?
10:20
